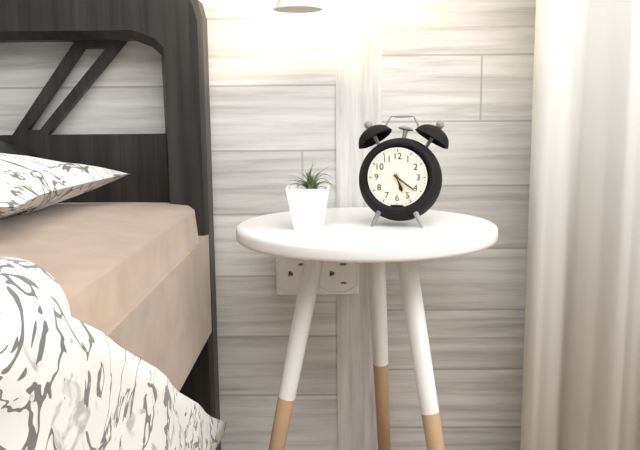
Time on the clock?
5:21
